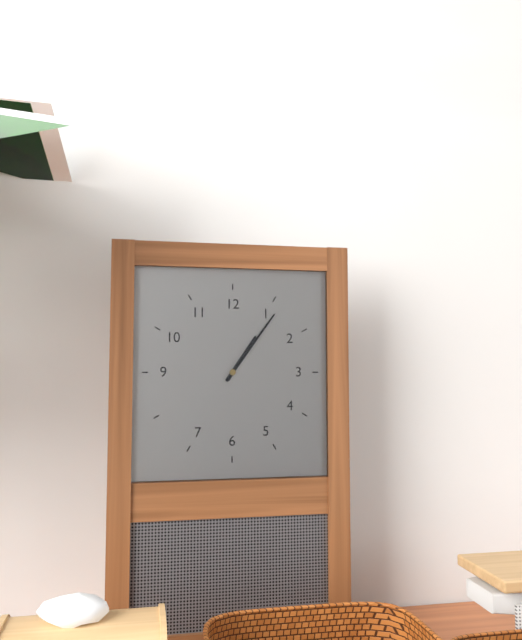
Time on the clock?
1:06
